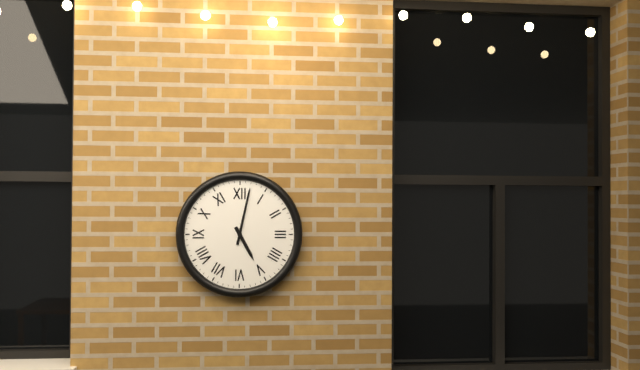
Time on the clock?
5:02
